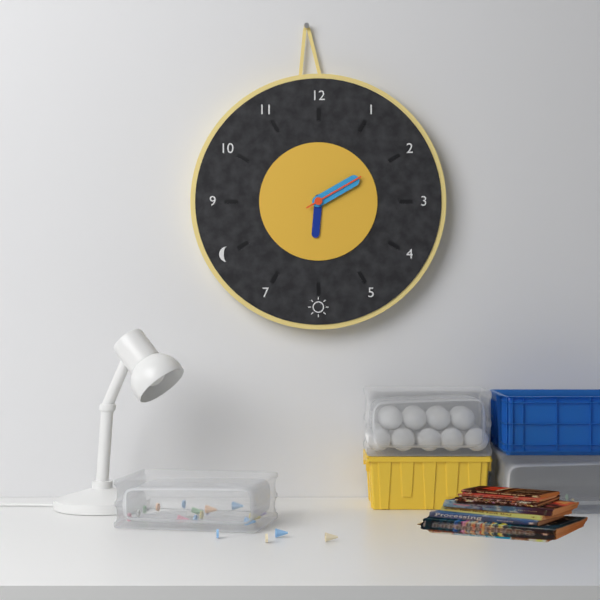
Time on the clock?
6:10:10
